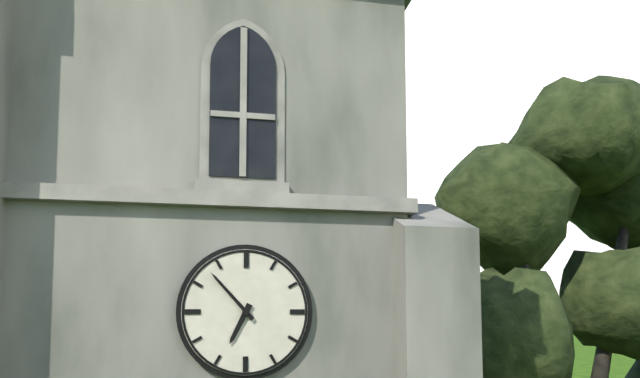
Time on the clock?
6:53
